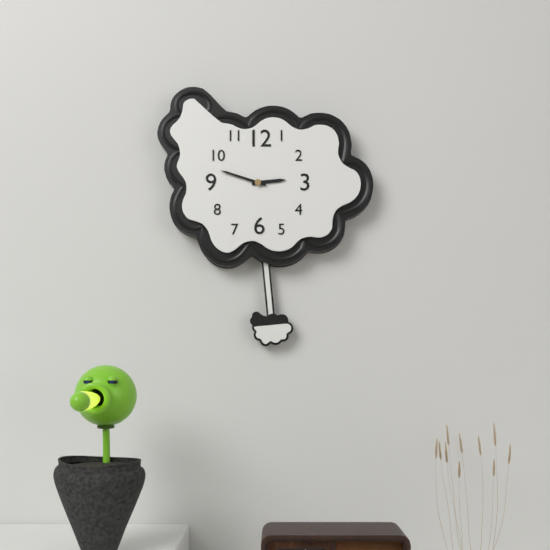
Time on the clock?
2:48
